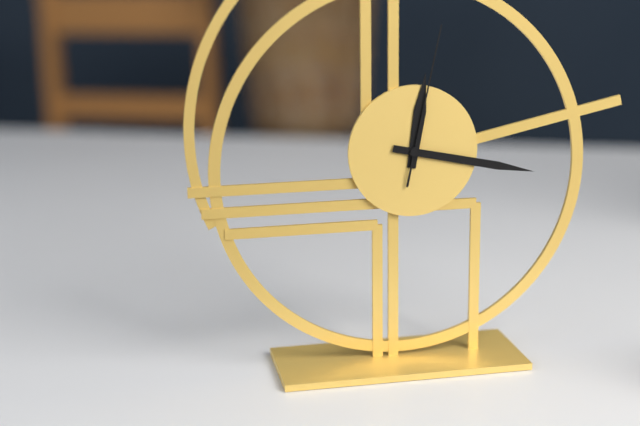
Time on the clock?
12:17:02
